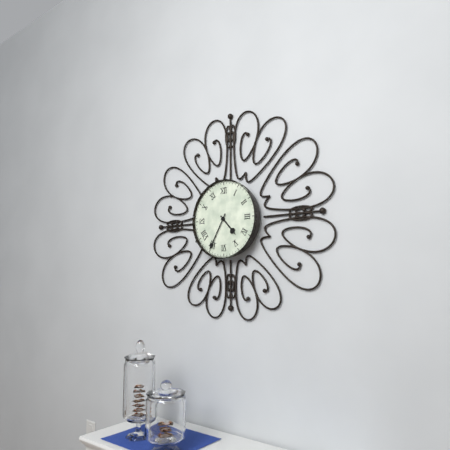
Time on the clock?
4:35
